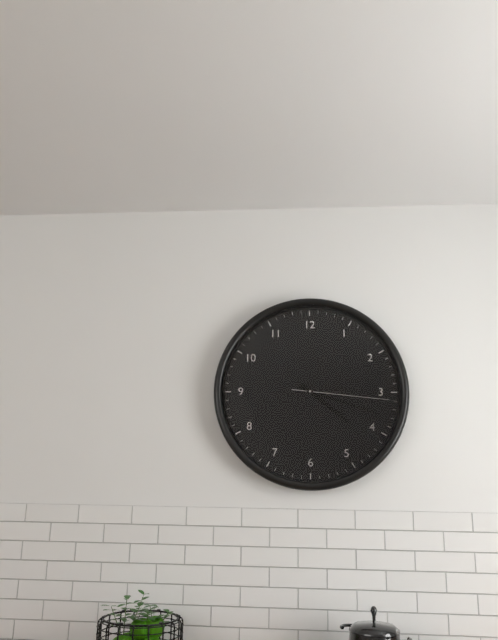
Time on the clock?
4:18:16
